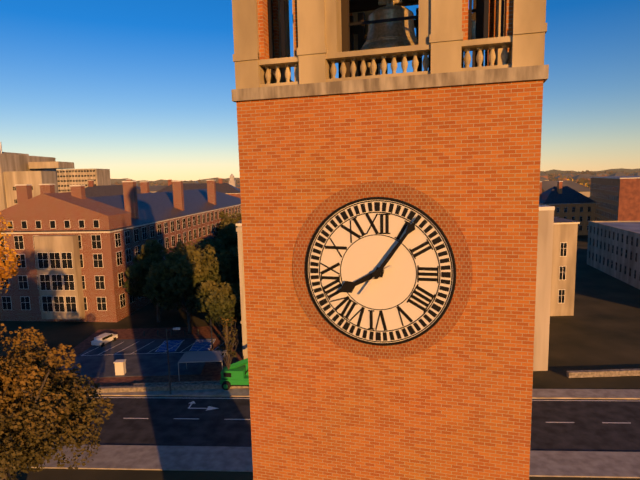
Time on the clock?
8:06
